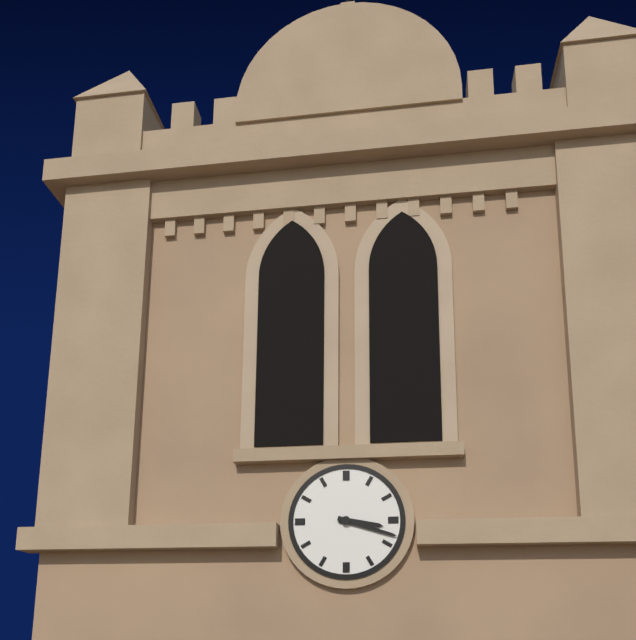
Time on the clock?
3:18
